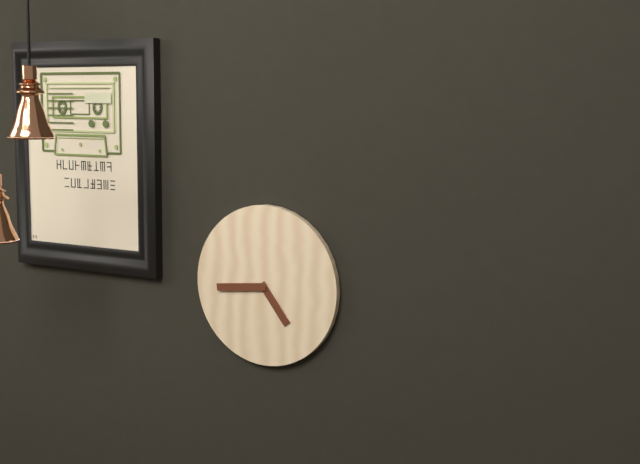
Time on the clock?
4:44
